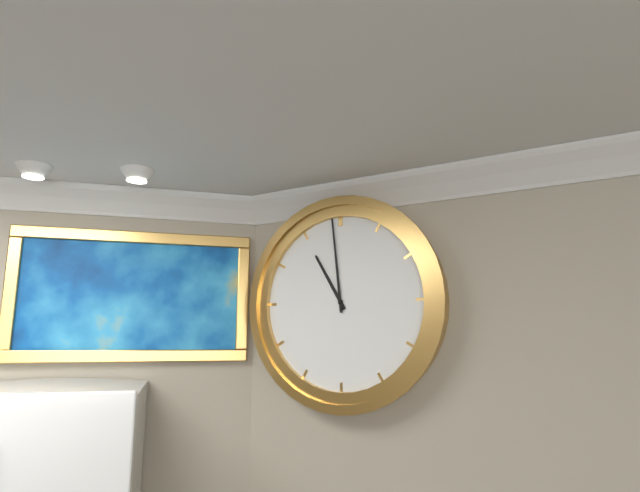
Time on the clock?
10:59
